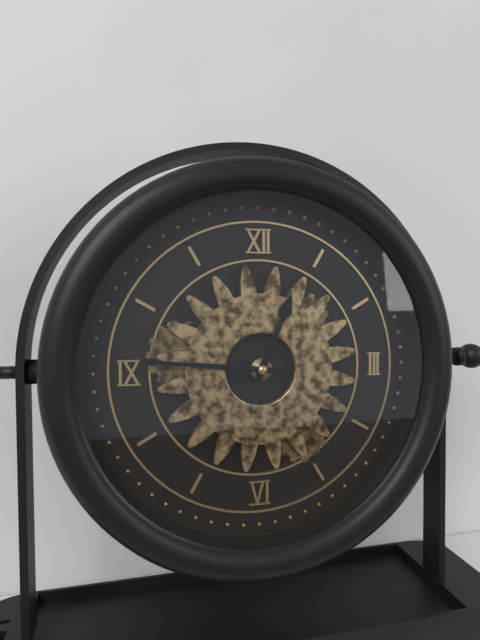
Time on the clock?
12:46
